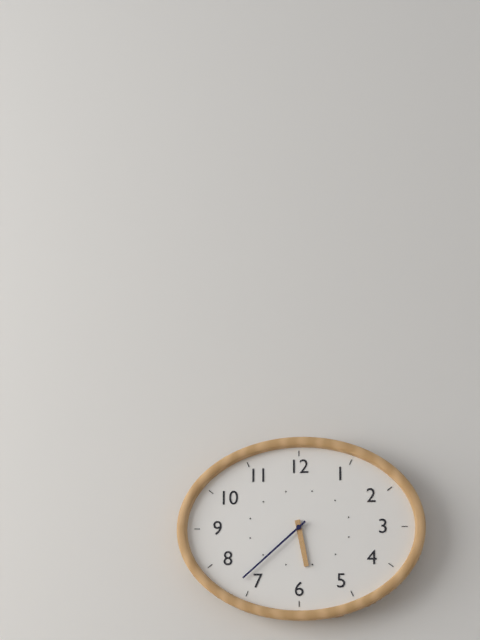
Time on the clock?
5:38
